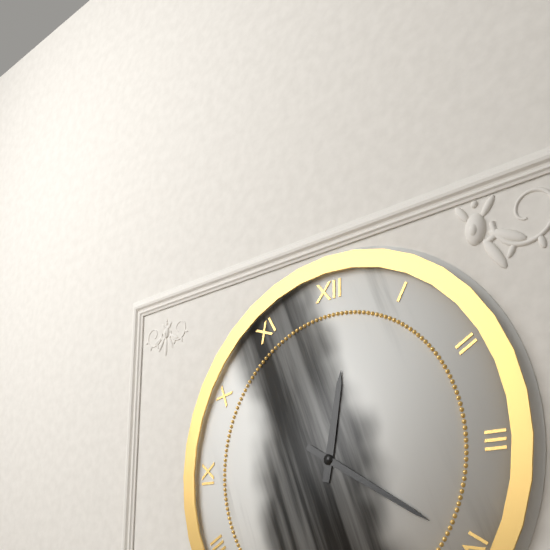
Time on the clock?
12:20
